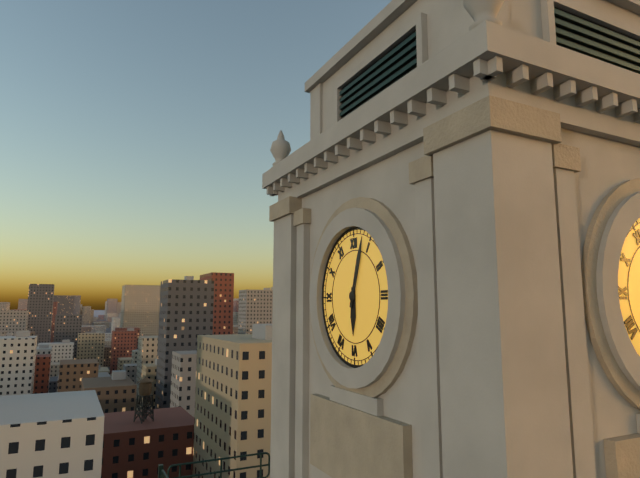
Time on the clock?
6:03
